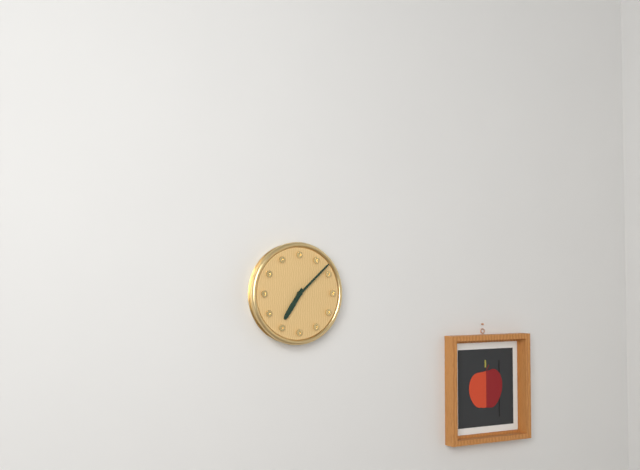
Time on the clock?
7:08
